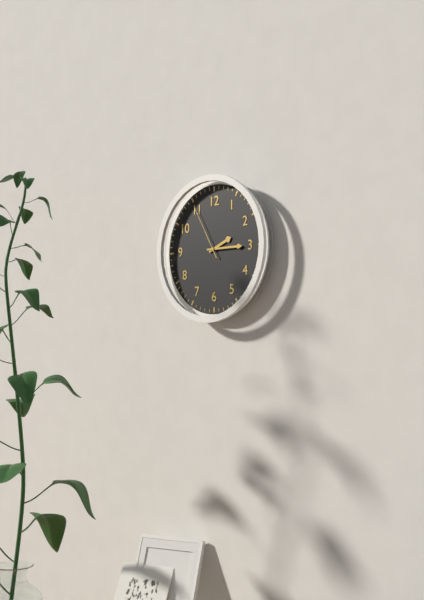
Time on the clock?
2:15:55
